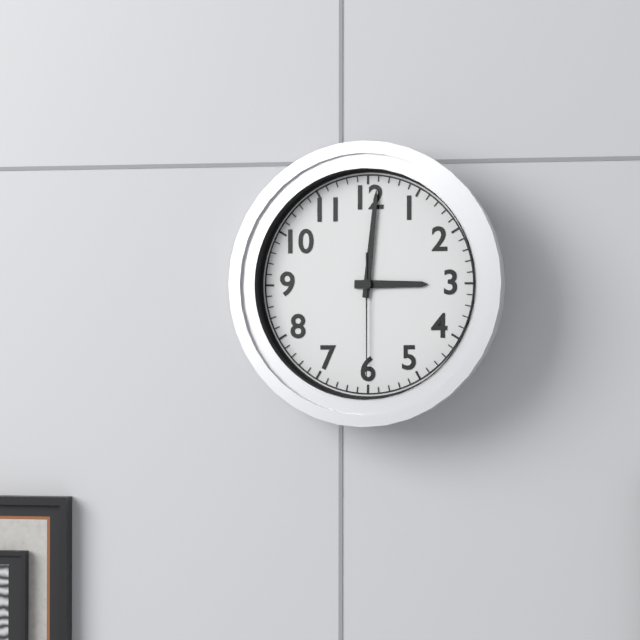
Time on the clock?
3:01:30
